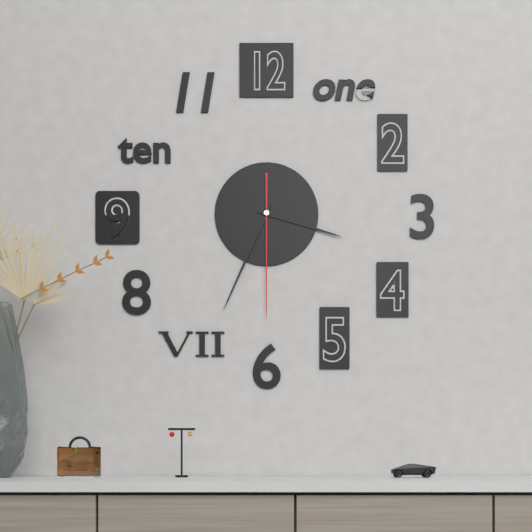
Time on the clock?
3:34:30
